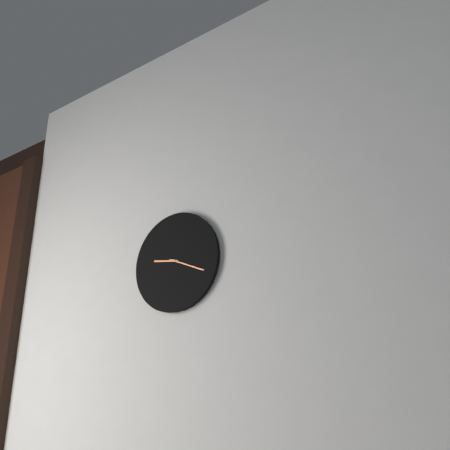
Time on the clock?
9:19
